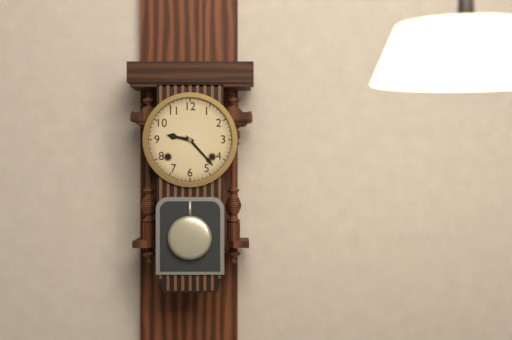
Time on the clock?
9:23
